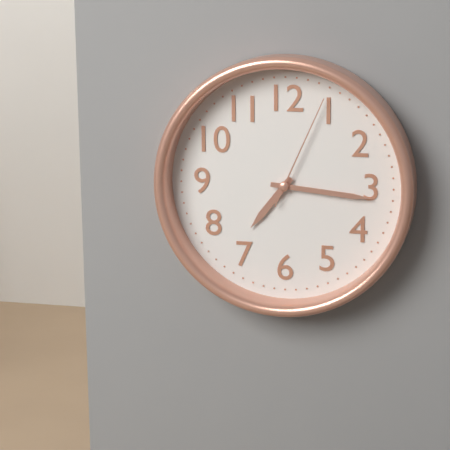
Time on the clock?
7:16:04
